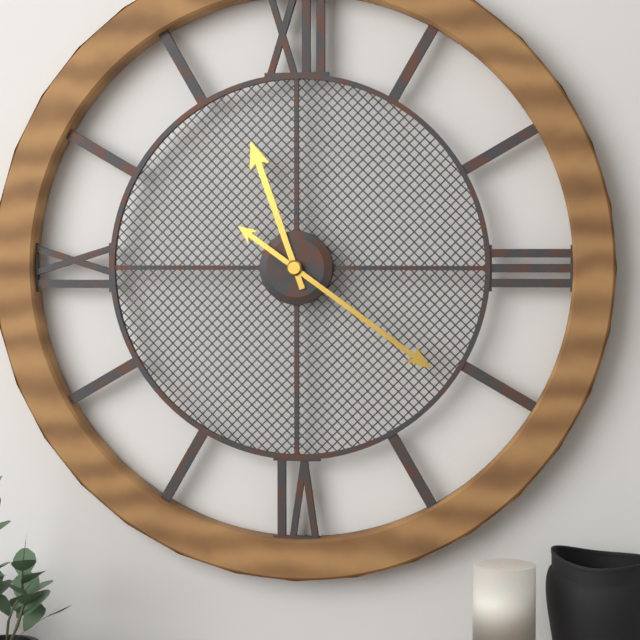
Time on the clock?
11:21
